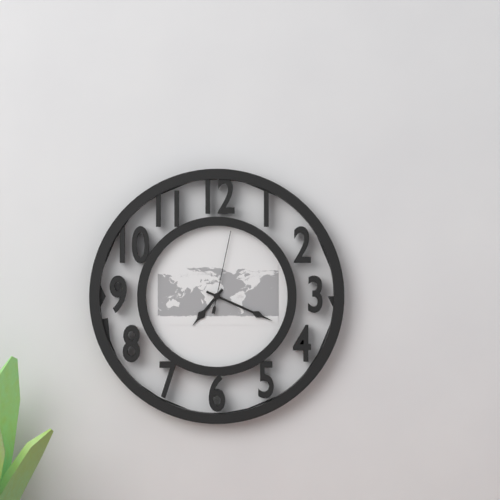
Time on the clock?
7:19:02
